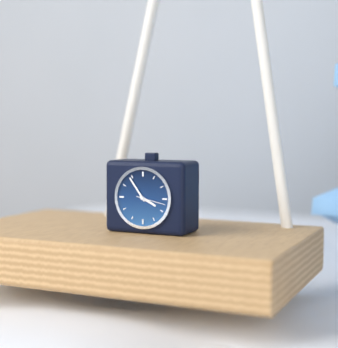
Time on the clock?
3:54
